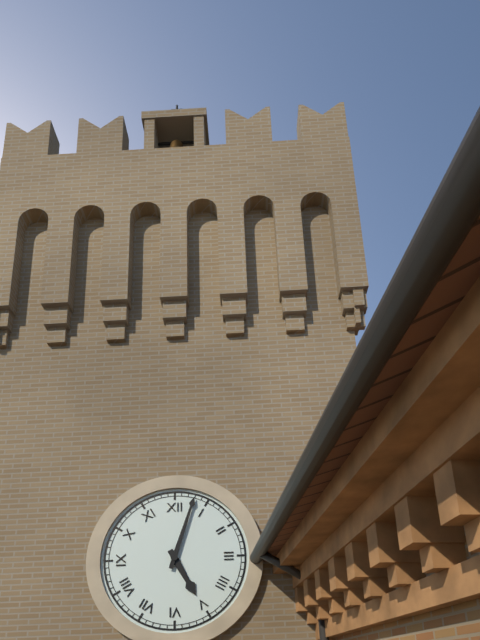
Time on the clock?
5:03
